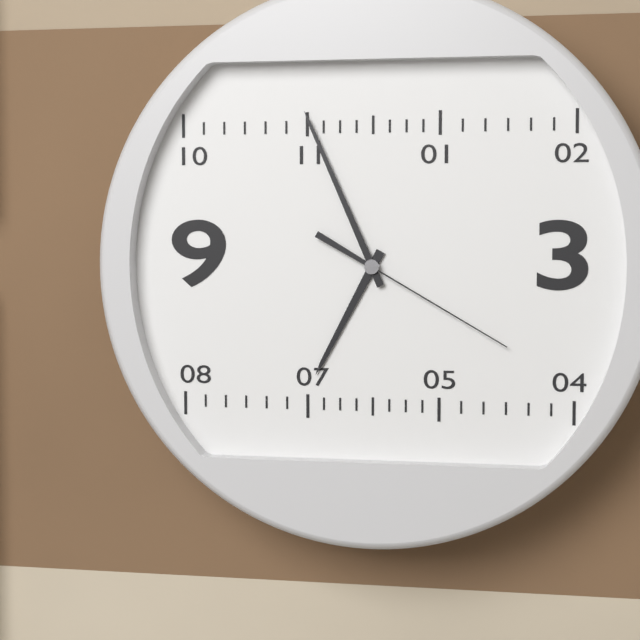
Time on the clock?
6:56:20
